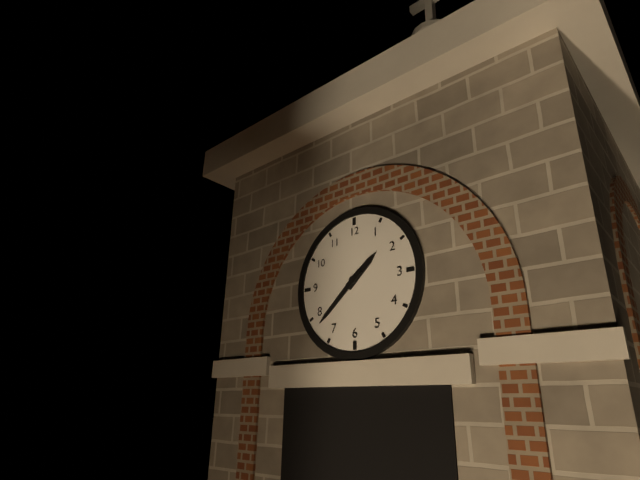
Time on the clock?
1:38
